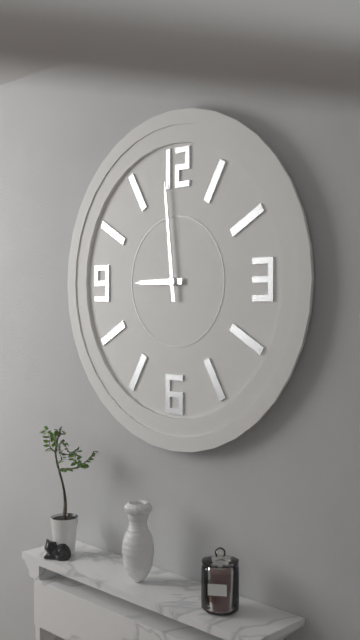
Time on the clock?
8:59
